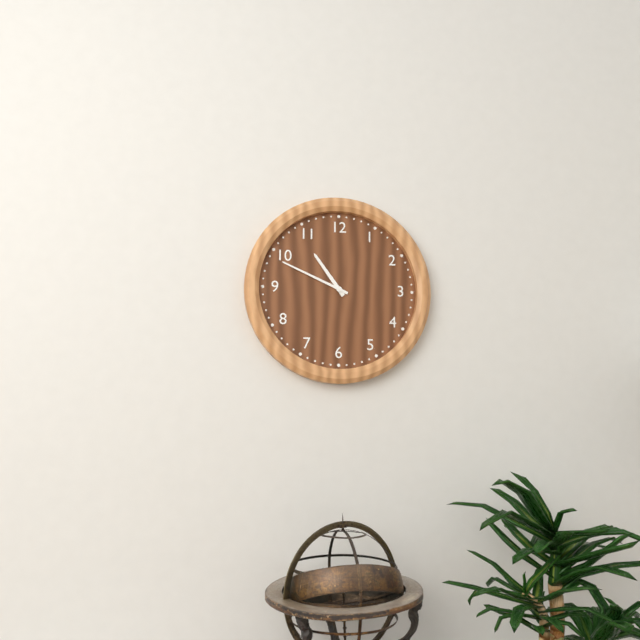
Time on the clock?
10:49
